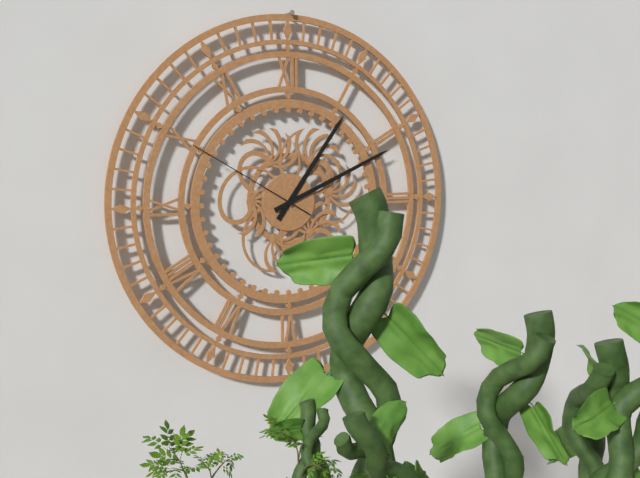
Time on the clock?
1:11:50
